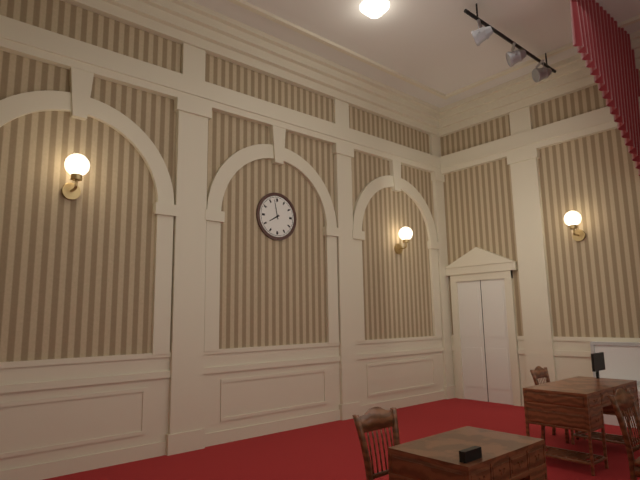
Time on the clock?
7:58
